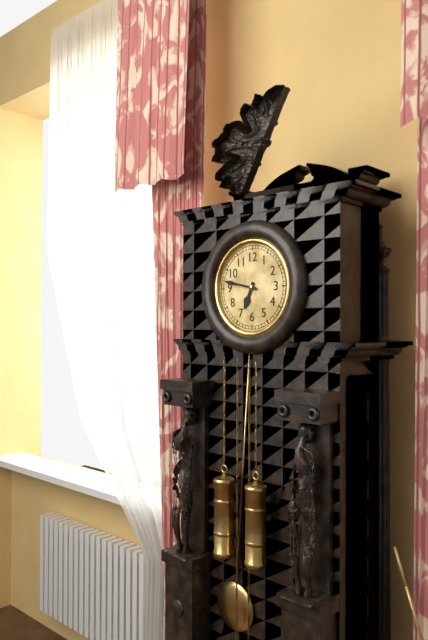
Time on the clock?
6:47
